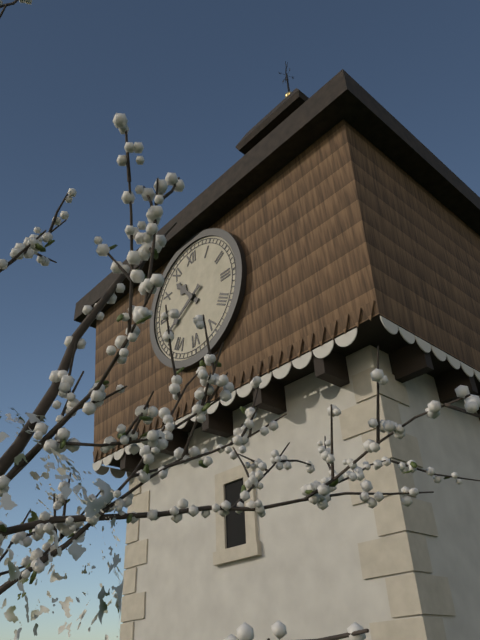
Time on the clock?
10:40
